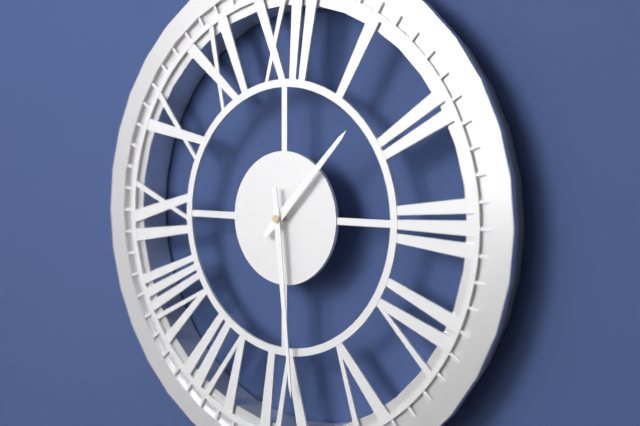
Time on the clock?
1:29
